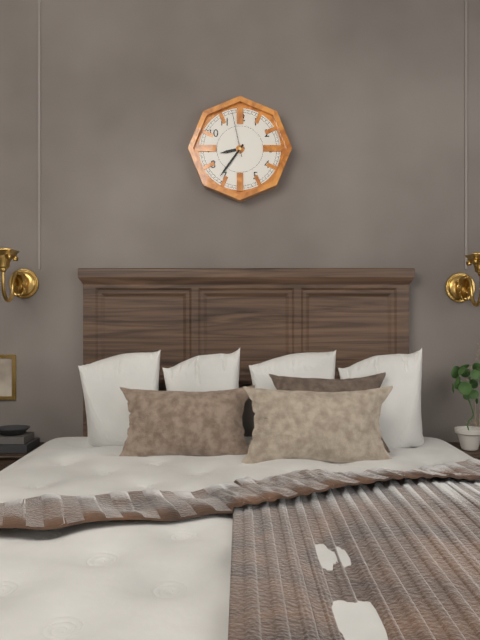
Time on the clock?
8:36
